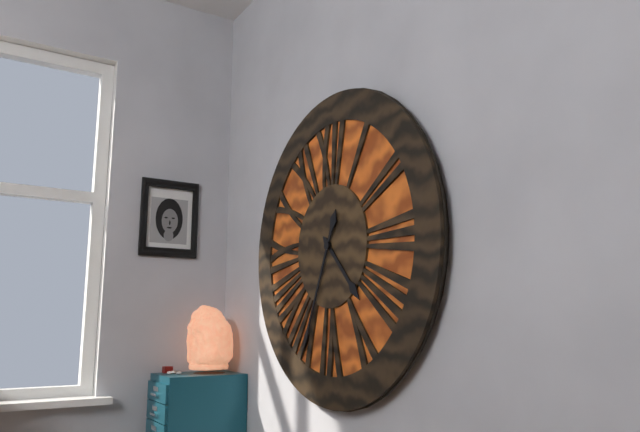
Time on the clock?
4:34
